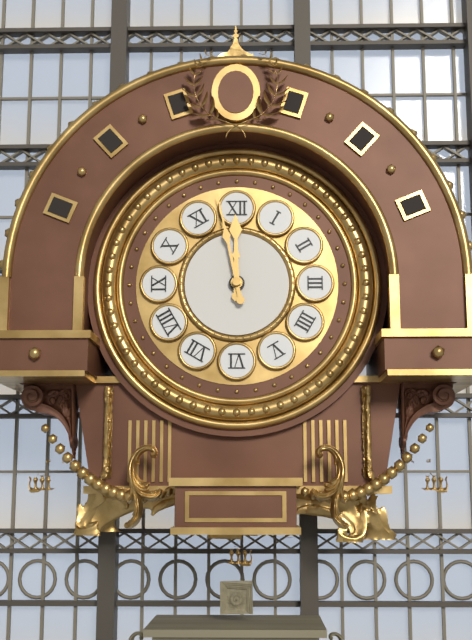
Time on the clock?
11:58
